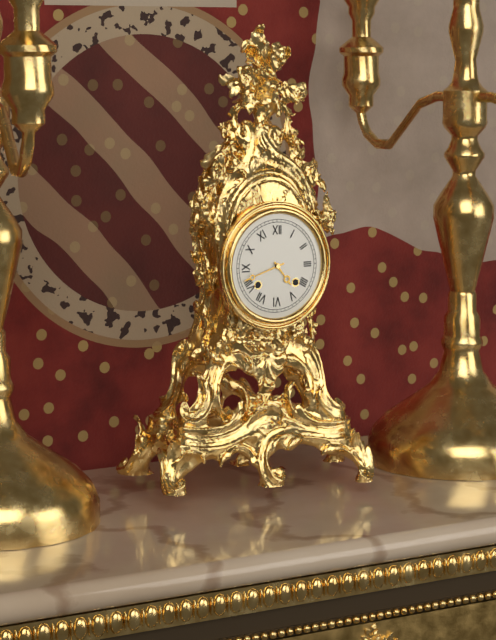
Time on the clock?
4:42
